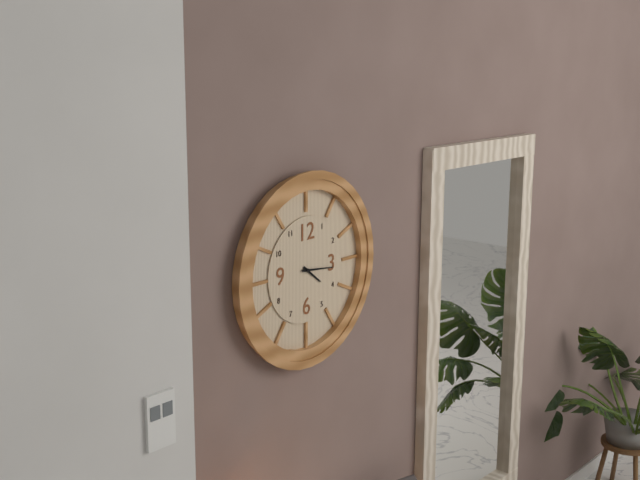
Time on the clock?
4:16
